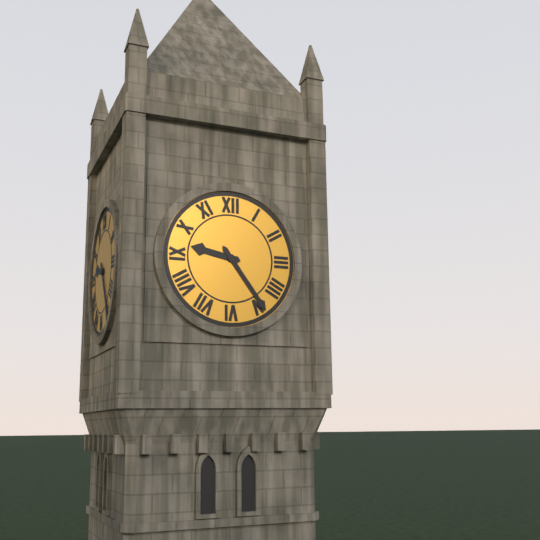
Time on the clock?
9:24
